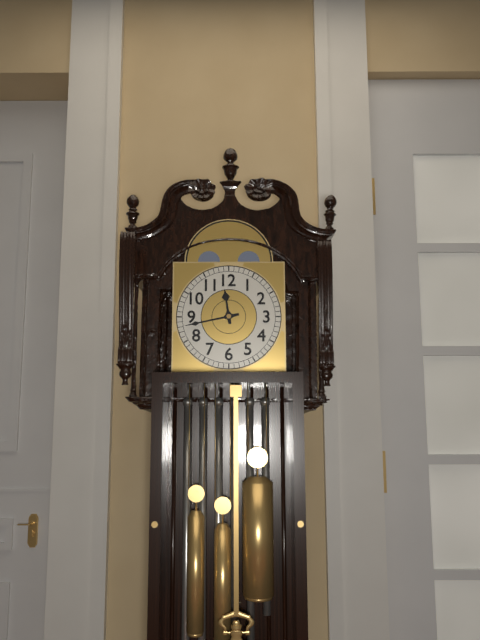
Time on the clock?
11:43
